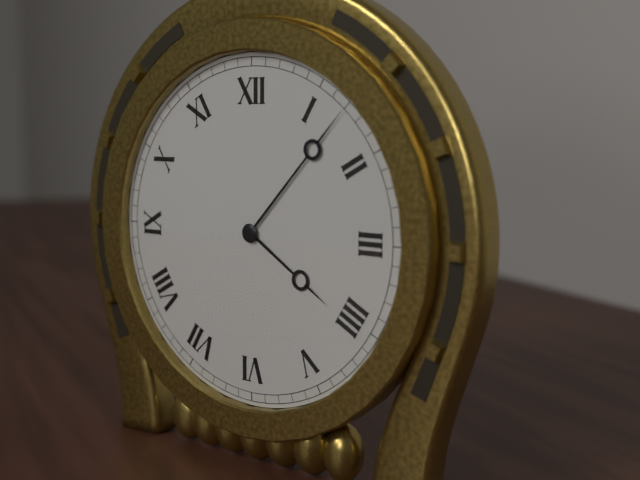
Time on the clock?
4:07
